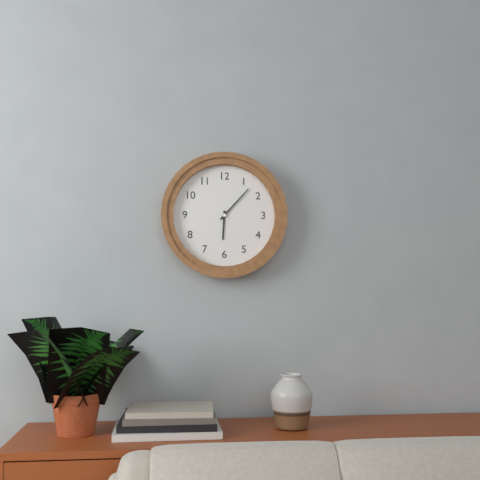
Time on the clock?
6:07
